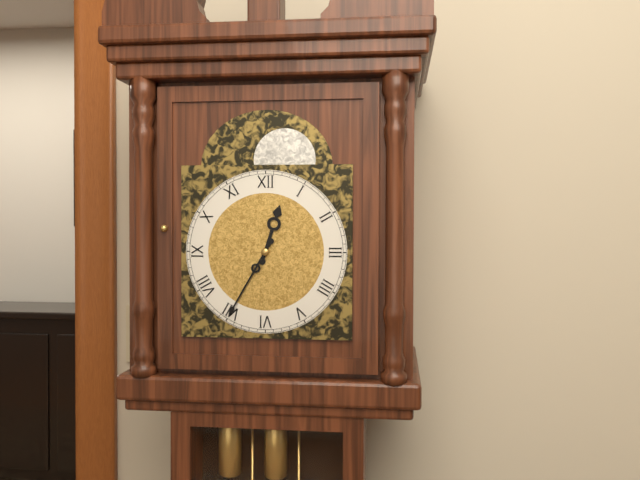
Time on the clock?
12:35
